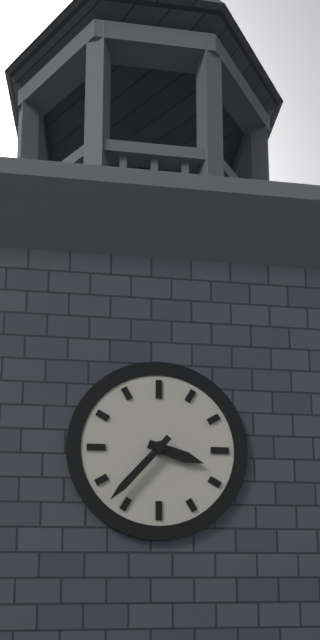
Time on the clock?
3:37
